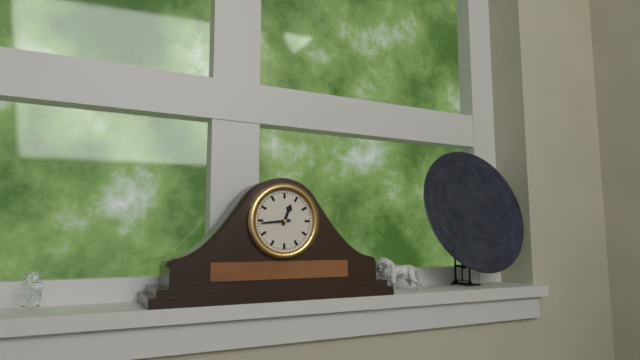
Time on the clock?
12:44
